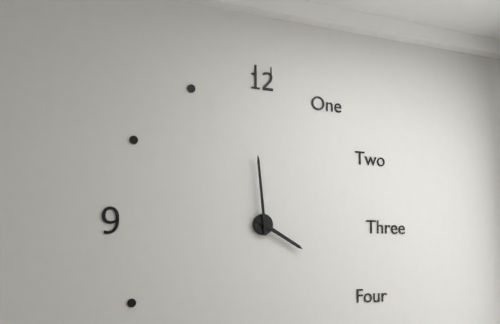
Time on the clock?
3:59
